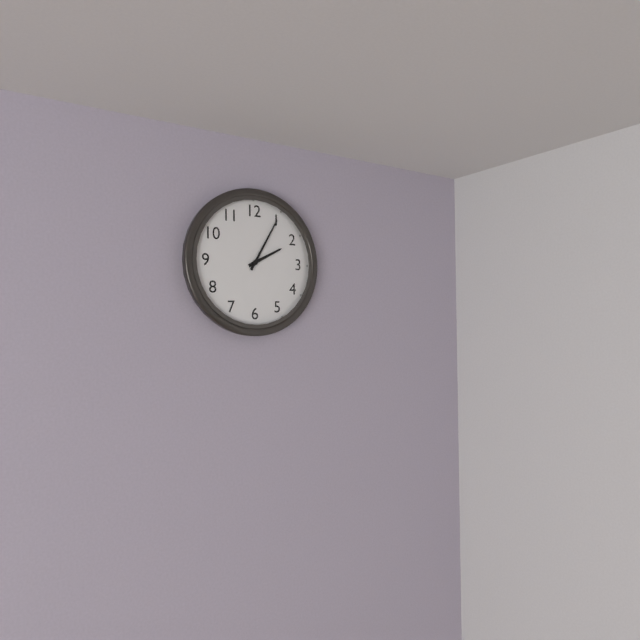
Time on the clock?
2:05
